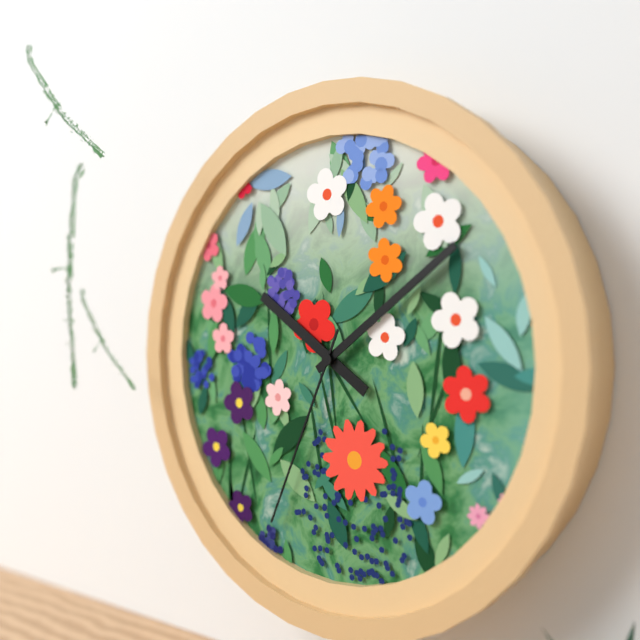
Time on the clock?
10:09:34
